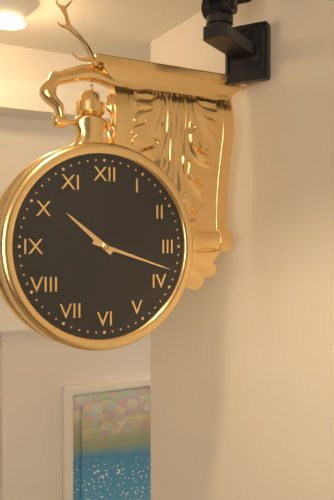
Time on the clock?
10:18
